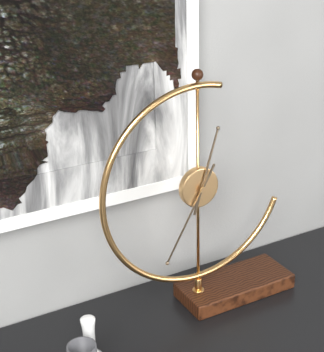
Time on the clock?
12:35
